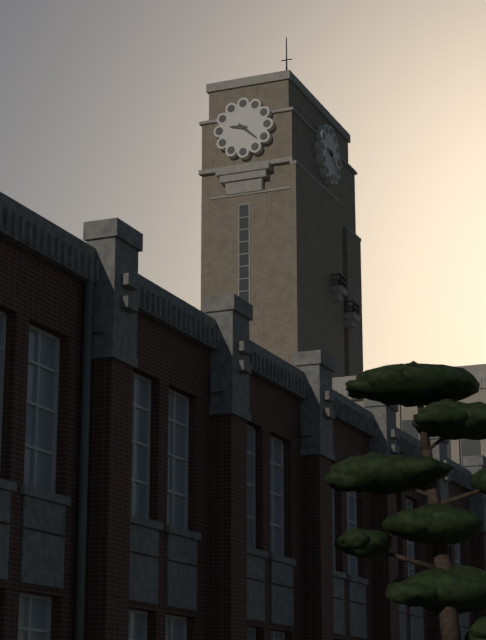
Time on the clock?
9:22
